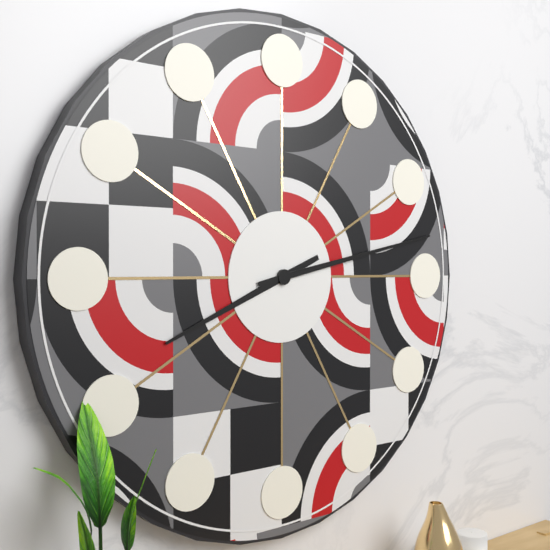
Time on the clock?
8:13
